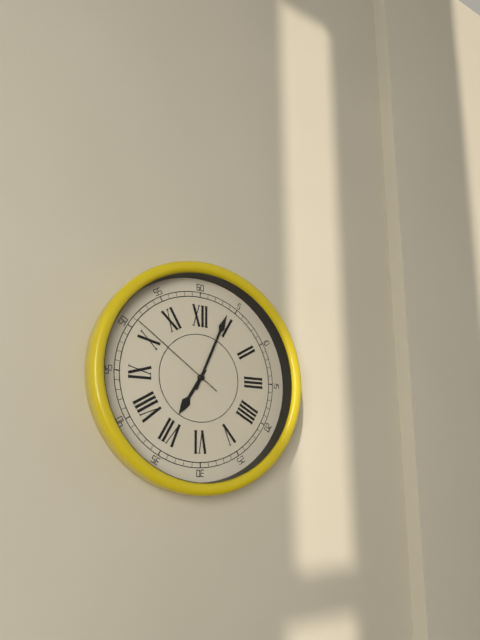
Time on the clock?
7:04:51
